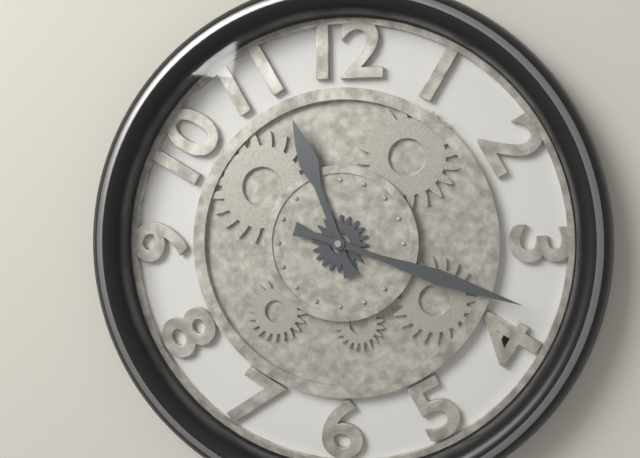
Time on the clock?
11:18
